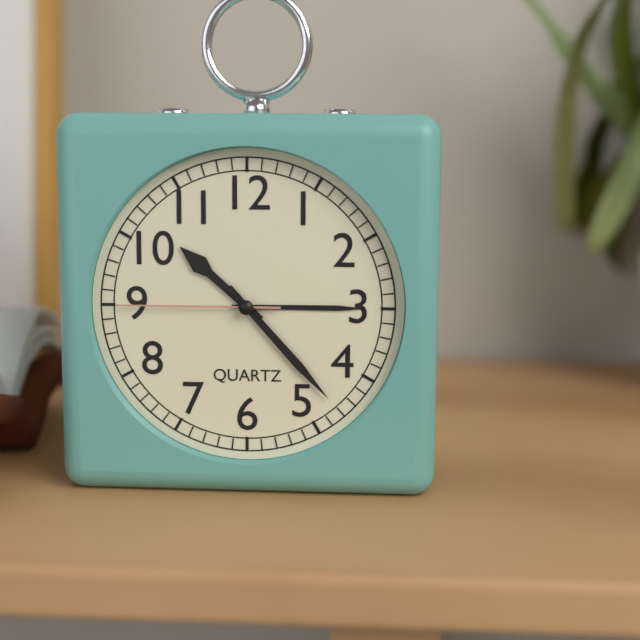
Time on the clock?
10:23:45
